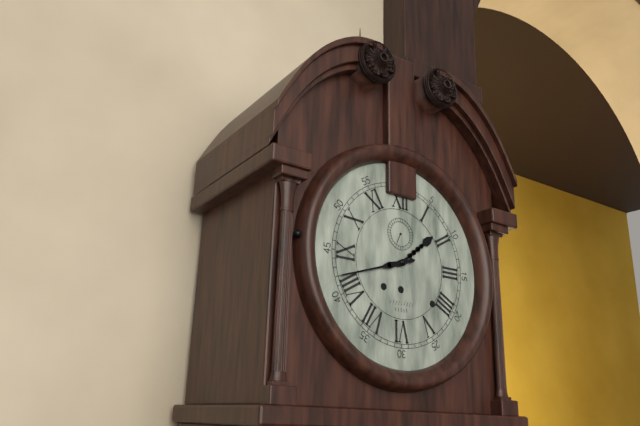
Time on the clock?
1:42
